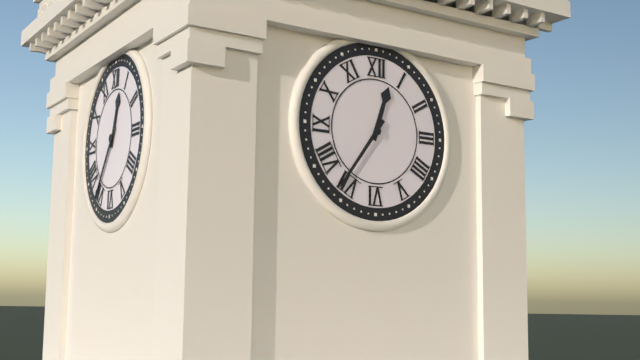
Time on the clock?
12:36
